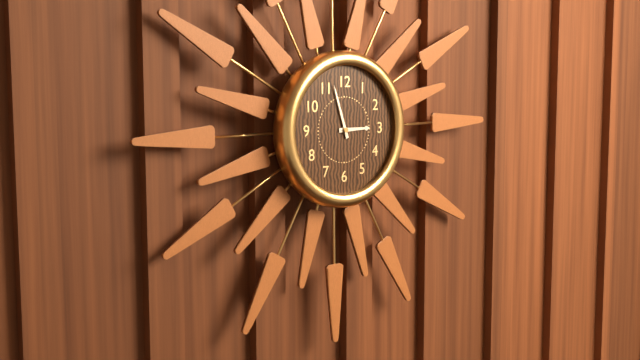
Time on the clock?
2:57
